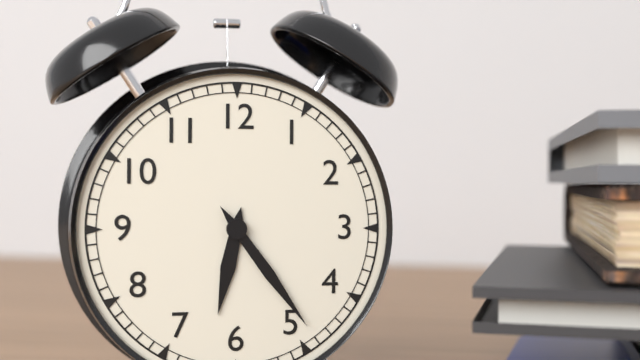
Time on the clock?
6:24
